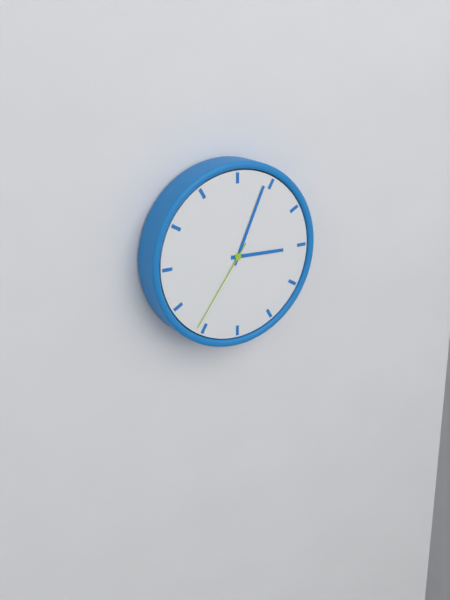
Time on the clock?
3:04:36
